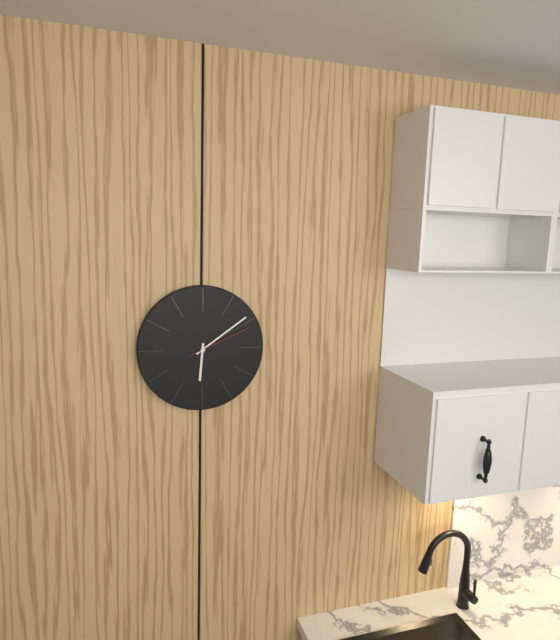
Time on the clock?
6:09:11
